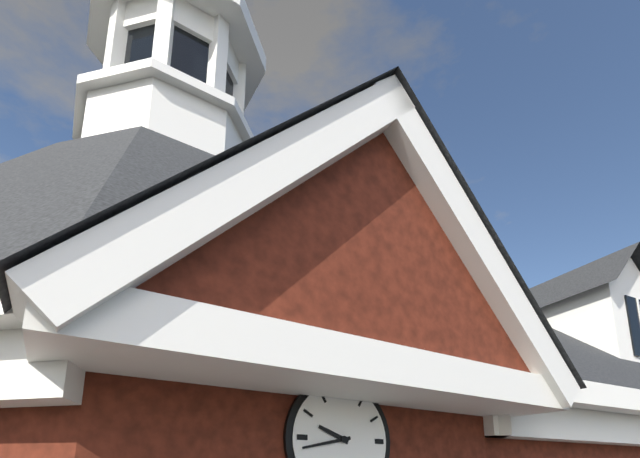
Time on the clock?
9:43
